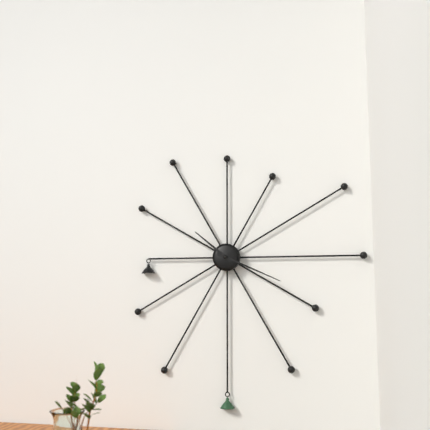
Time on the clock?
10:19
